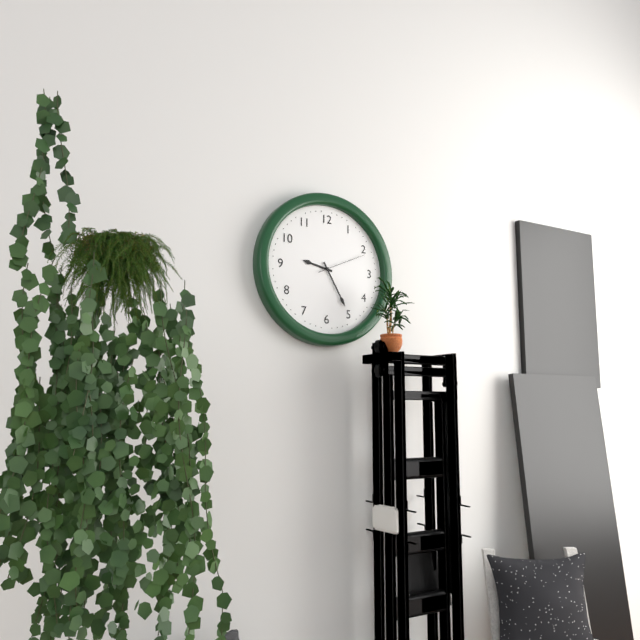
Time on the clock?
9:25:11
